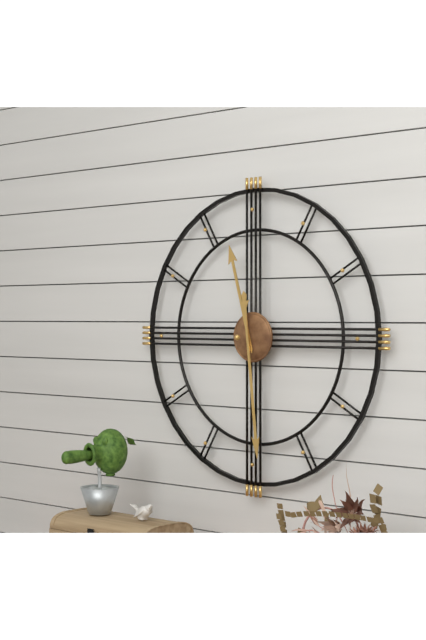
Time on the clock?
11:29
